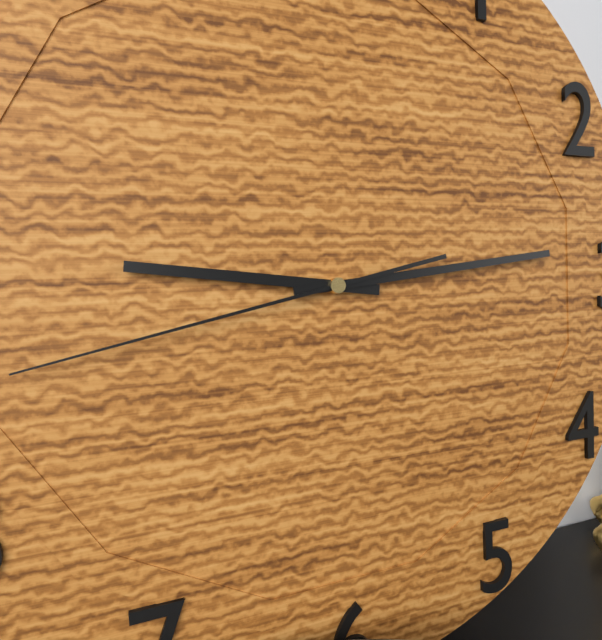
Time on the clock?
9:14:43
